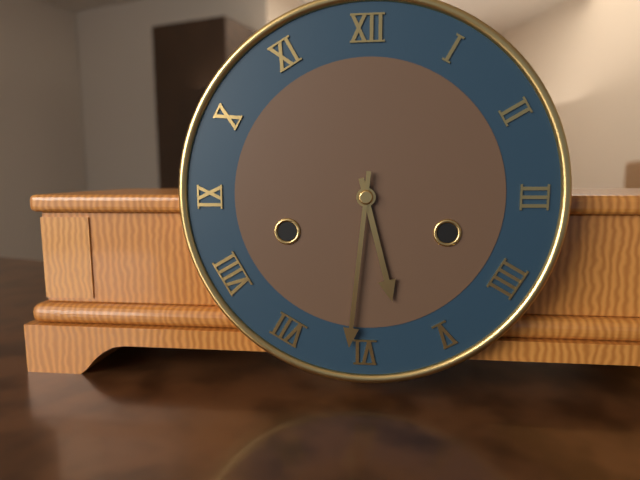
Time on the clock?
5:31
